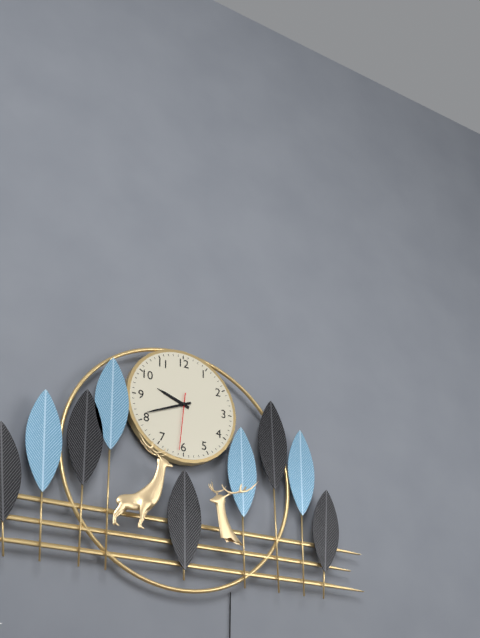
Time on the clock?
9:41:31
